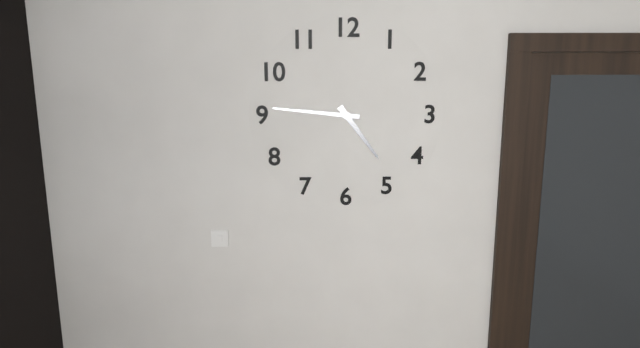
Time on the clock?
4:46
